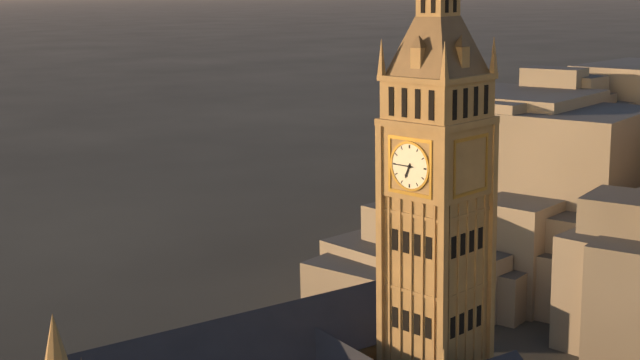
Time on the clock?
6:45
